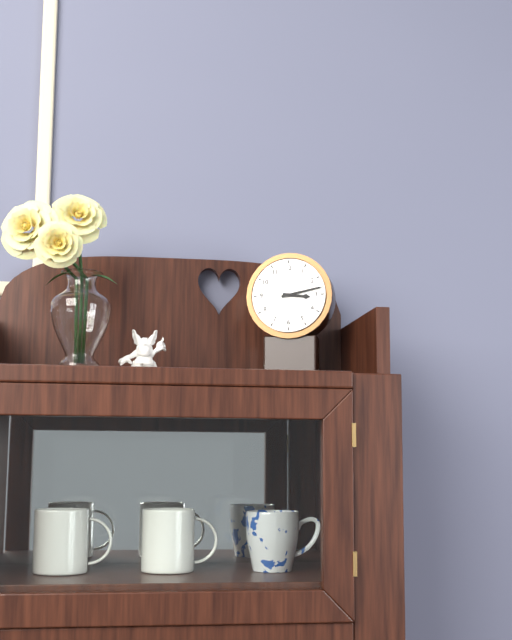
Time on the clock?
3:13
